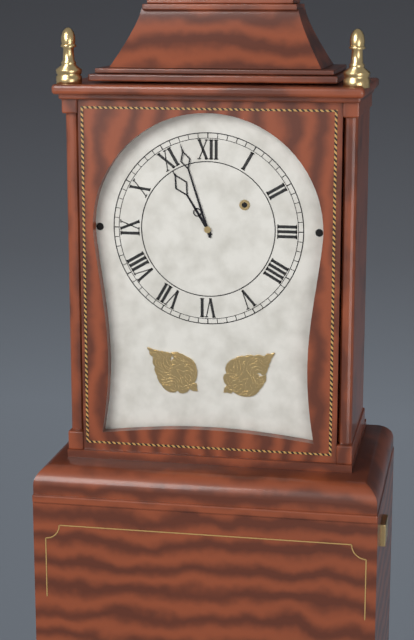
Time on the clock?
10:57
